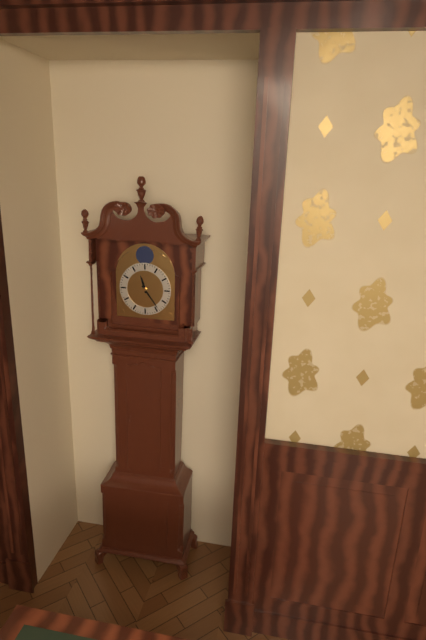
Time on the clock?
11:24
